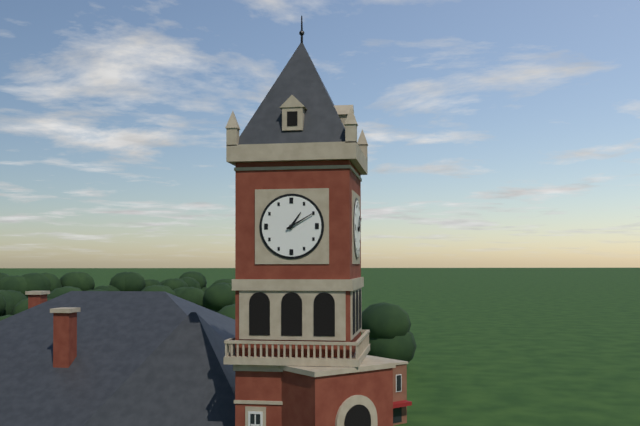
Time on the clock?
1:10
